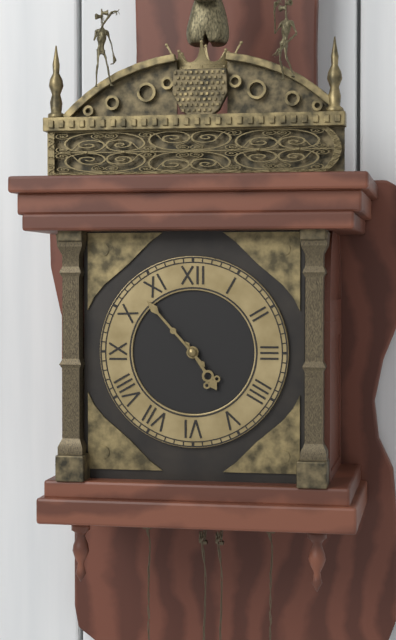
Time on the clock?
4:53
